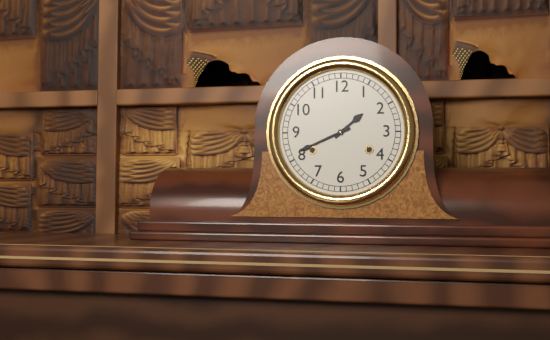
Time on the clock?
1:41
